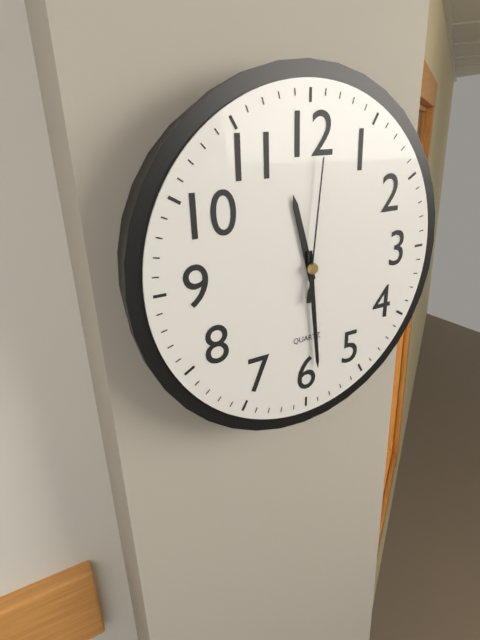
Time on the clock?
11:29:01
